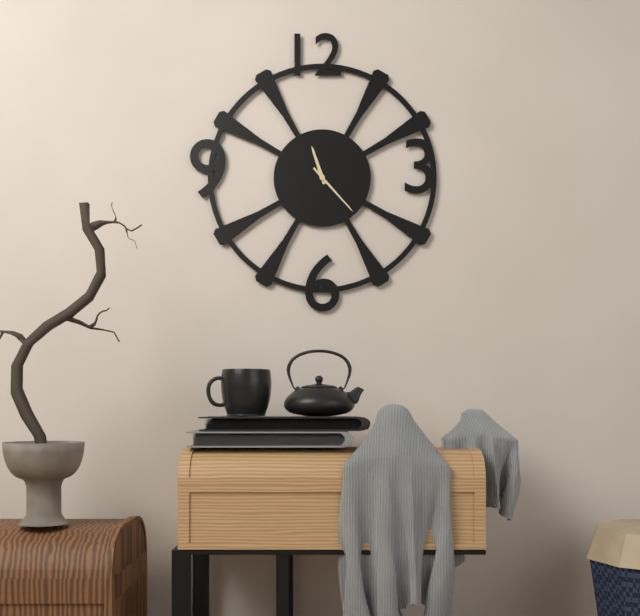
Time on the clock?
11:23
